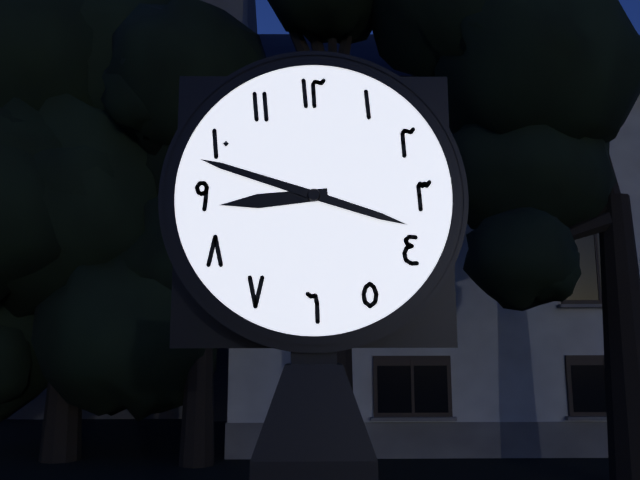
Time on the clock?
8:48
